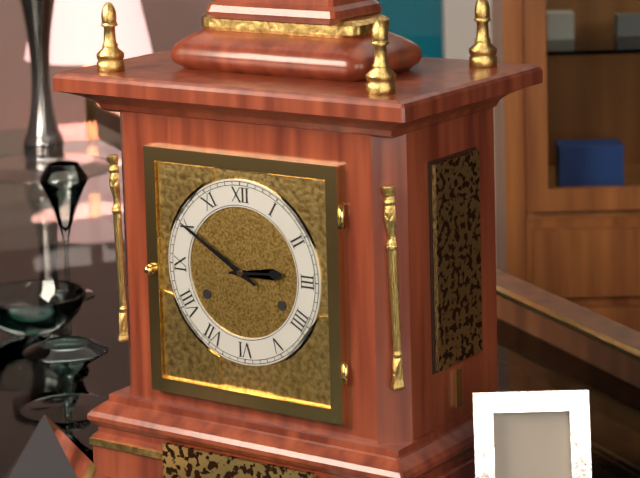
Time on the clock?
2:50
